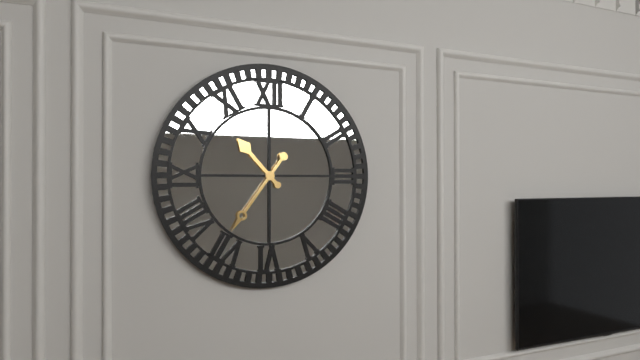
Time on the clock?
10:36
